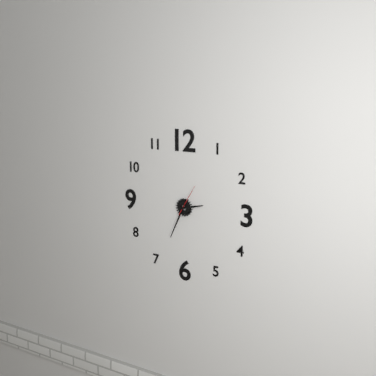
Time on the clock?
2:34
